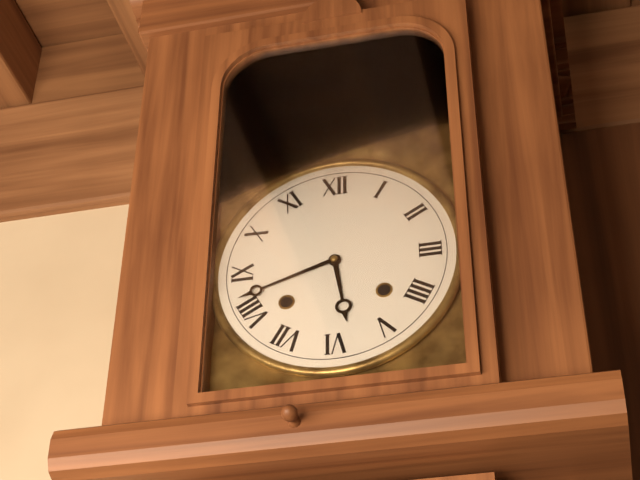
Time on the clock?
5:42
